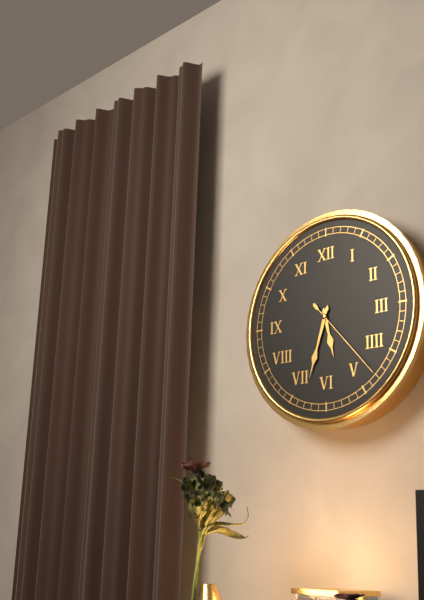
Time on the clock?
5:33:23
